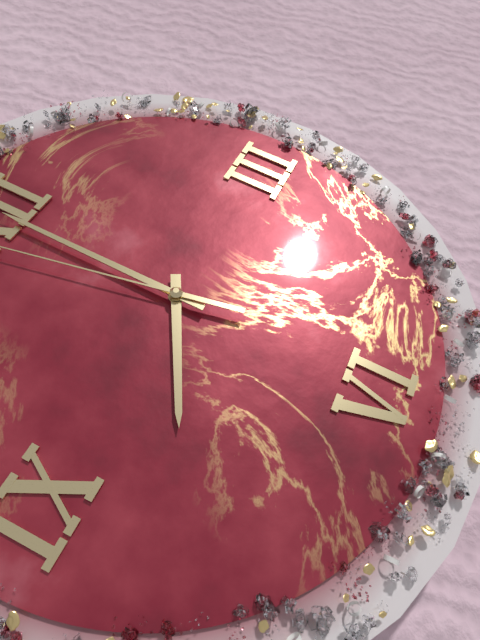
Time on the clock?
8:00
